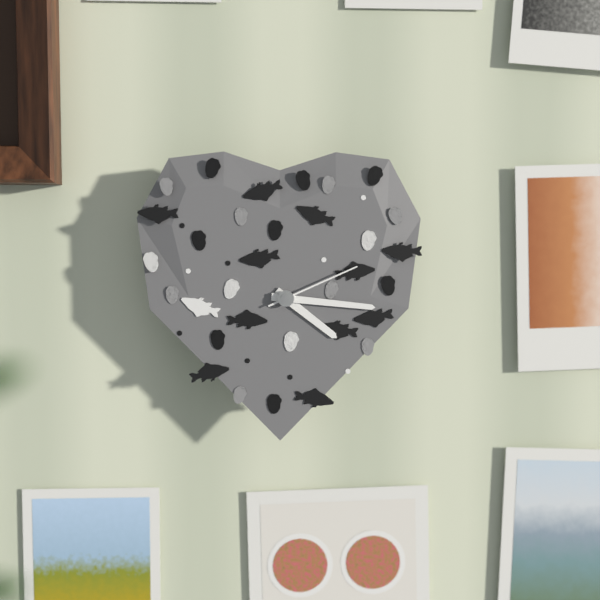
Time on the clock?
4:16:11
